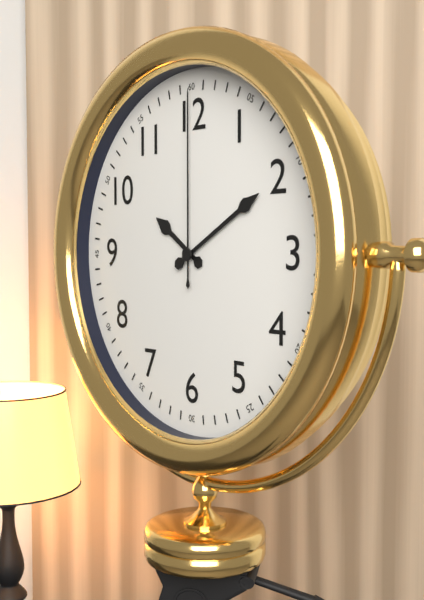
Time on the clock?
10:10:00
